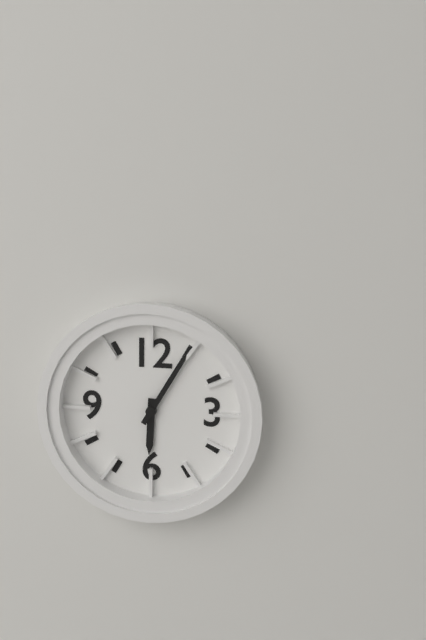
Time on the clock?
6:05
